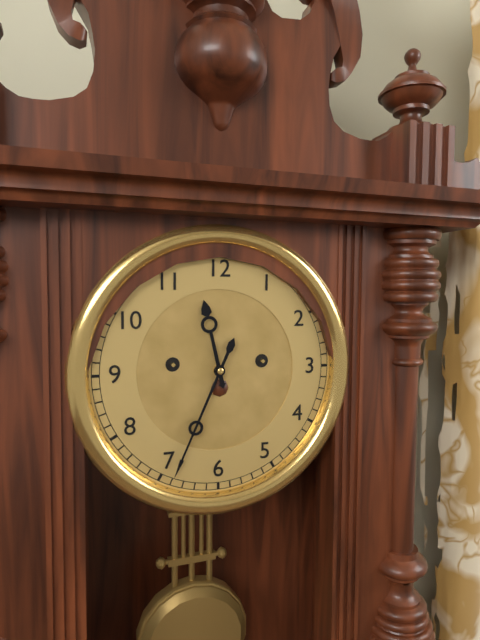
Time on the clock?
11:34
